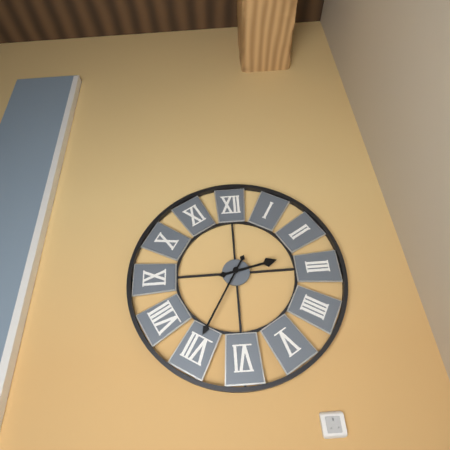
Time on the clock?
2:35
